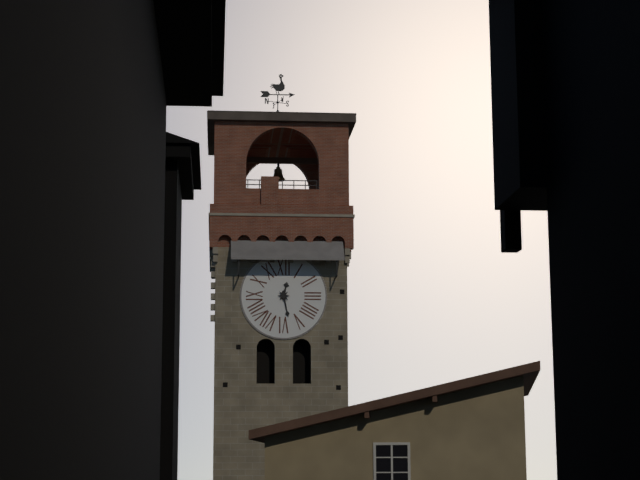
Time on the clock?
12:28
